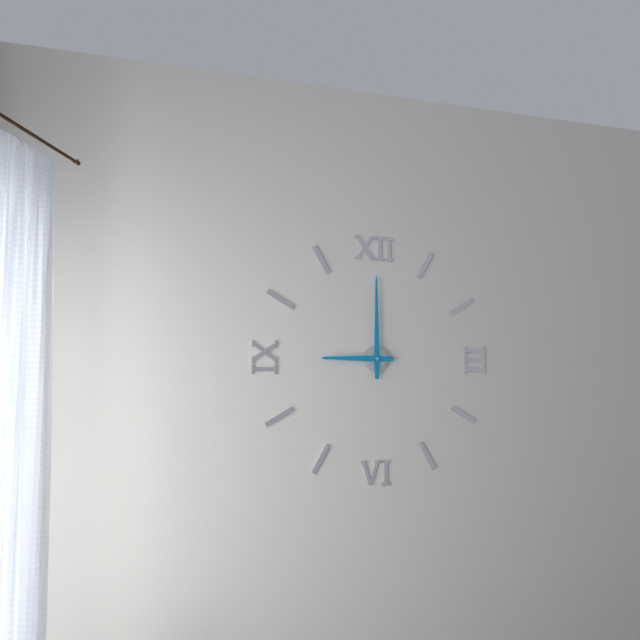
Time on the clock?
9:00
